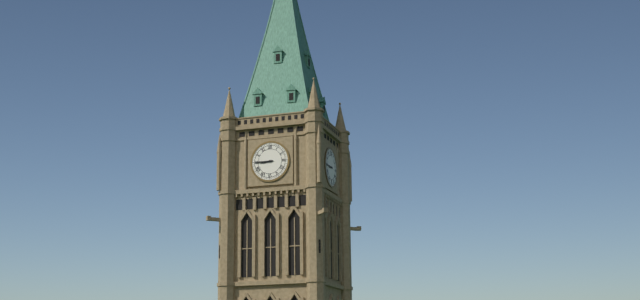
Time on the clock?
8:45
